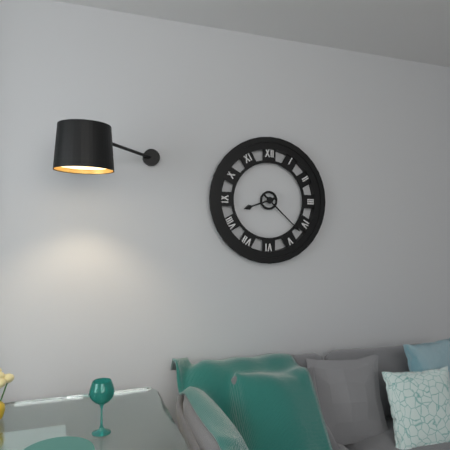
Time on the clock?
8:22
